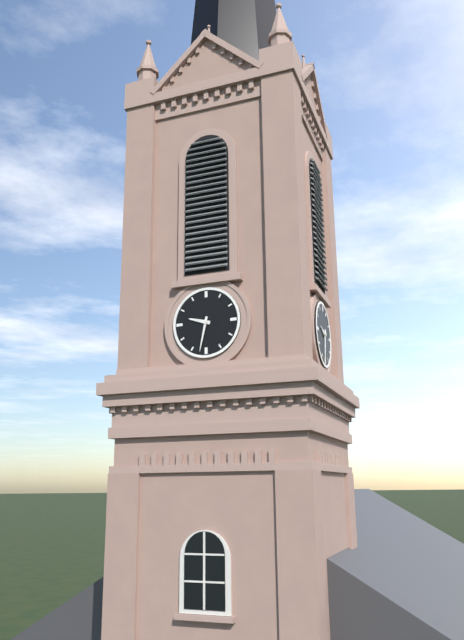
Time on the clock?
9:32
